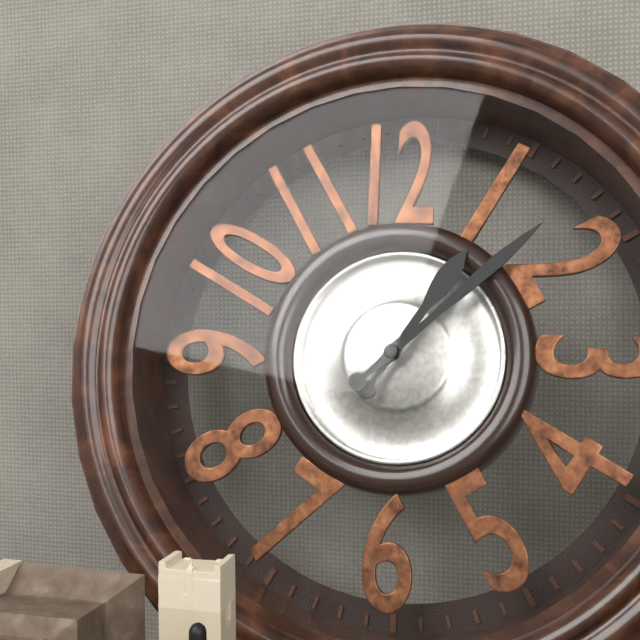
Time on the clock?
1:08
